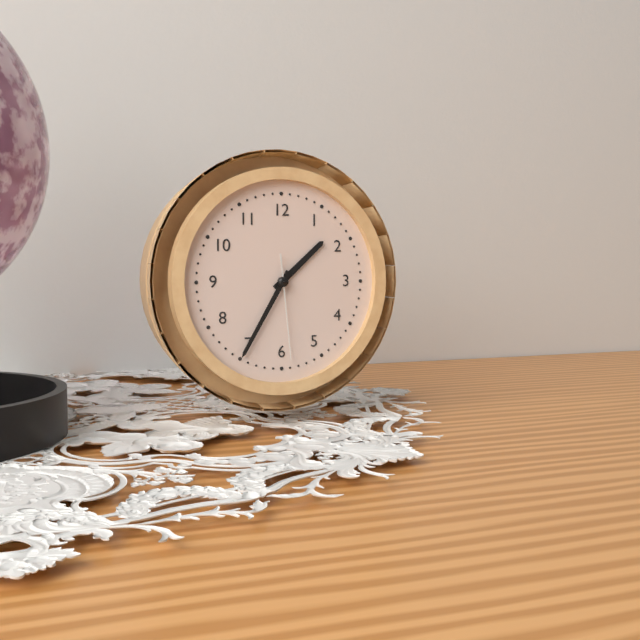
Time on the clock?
1:35:29
